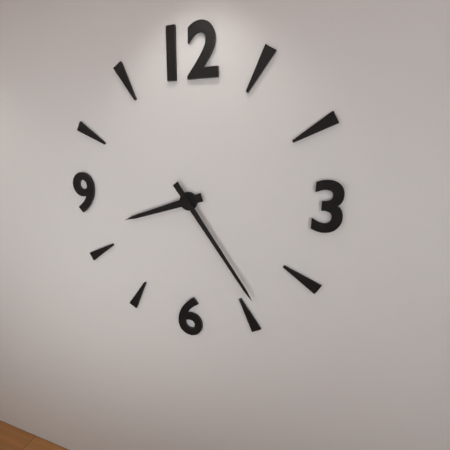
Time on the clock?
8:24
